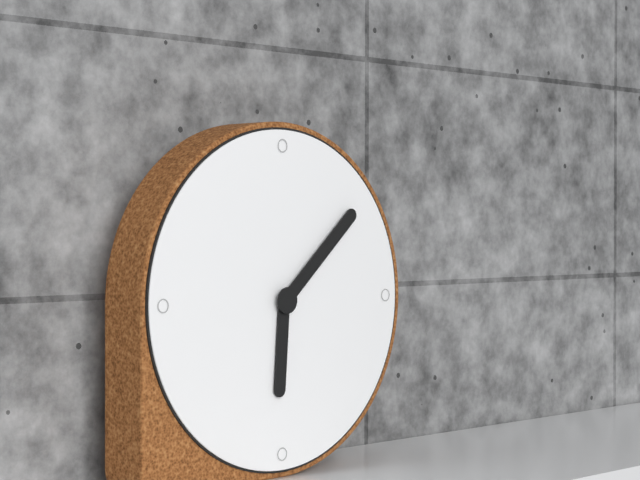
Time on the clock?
6:08
